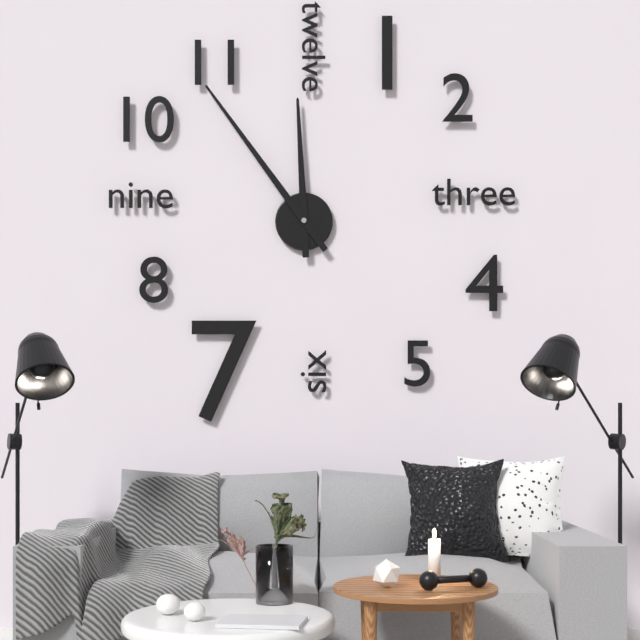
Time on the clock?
11:54
